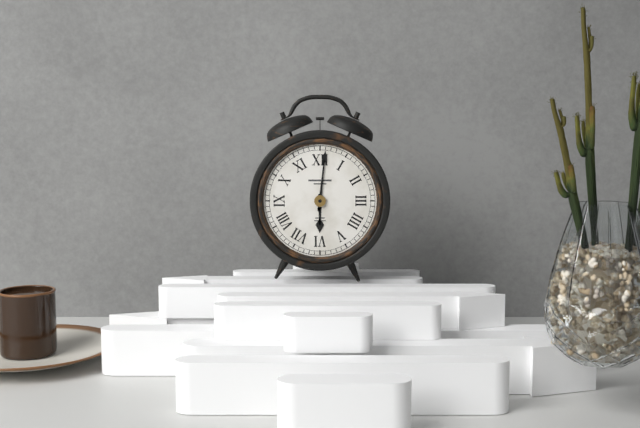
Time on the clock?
6:01
